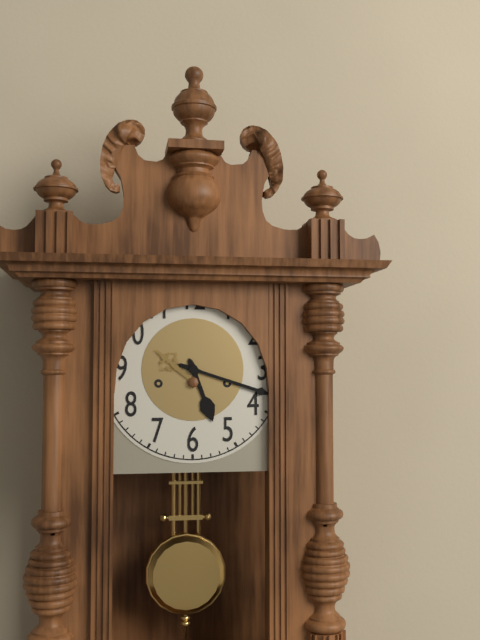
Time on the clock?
5:18
